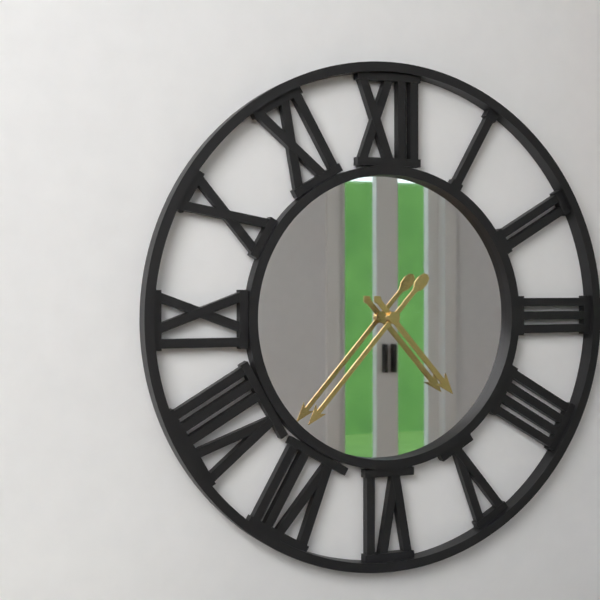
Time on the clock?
4:37
